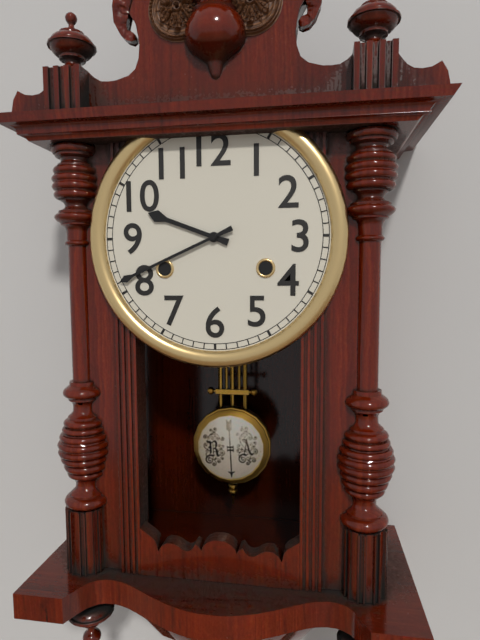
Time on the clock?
9:41
